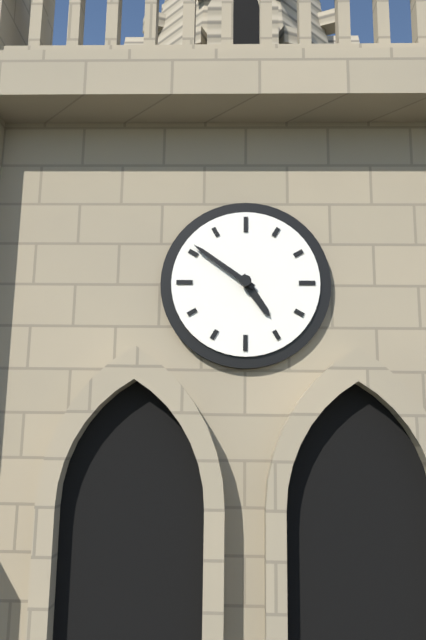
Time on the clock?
4:51
